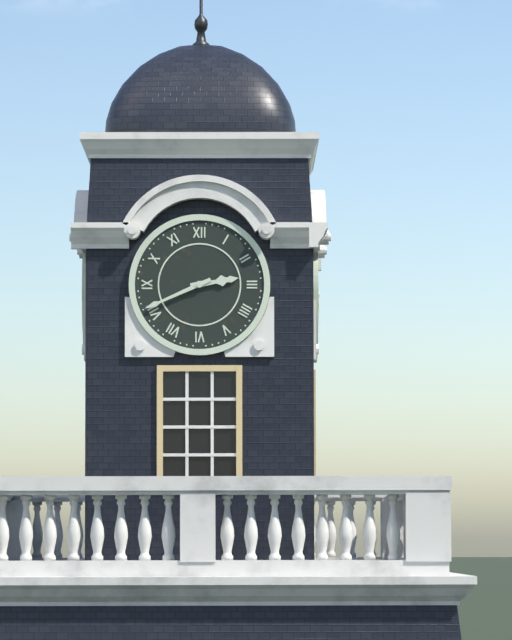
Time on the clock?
2:41
